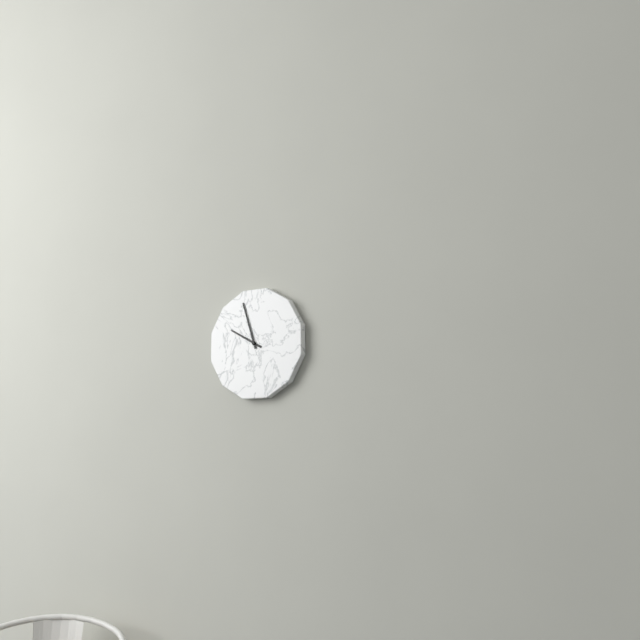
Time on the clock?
9:57
